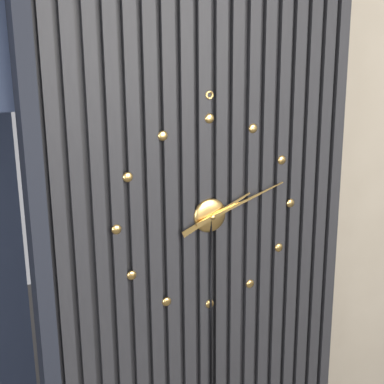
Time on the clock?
2:12
